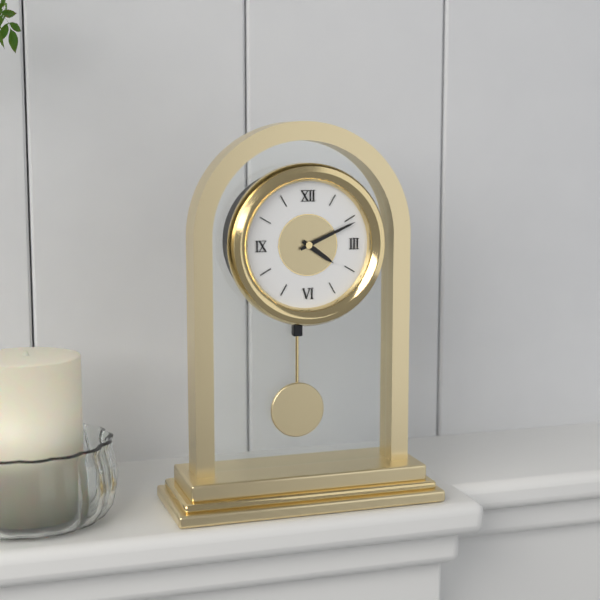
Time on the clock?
4:11
